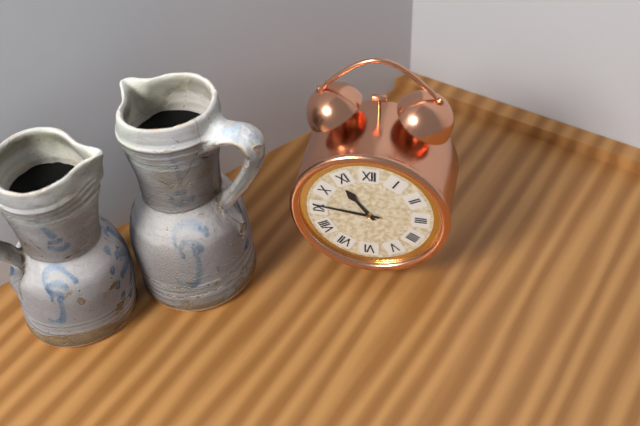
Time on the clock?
10:46
